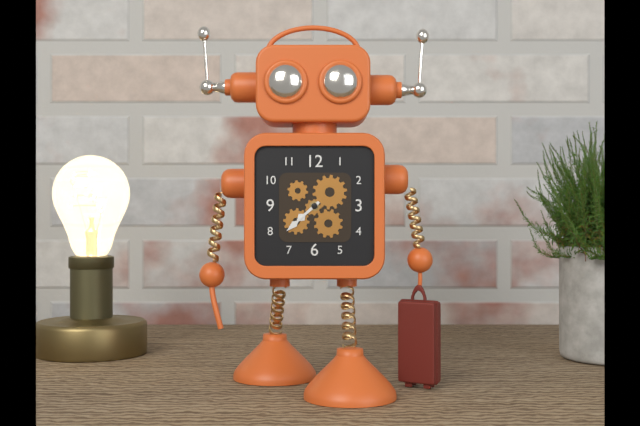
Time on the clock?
7:38
